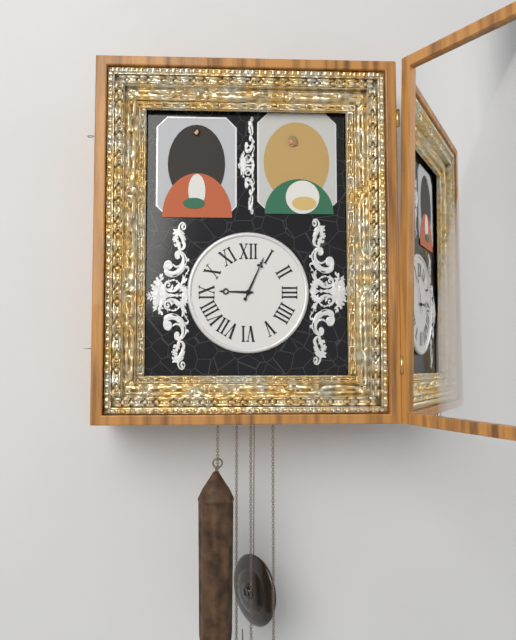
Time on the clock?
9:04
